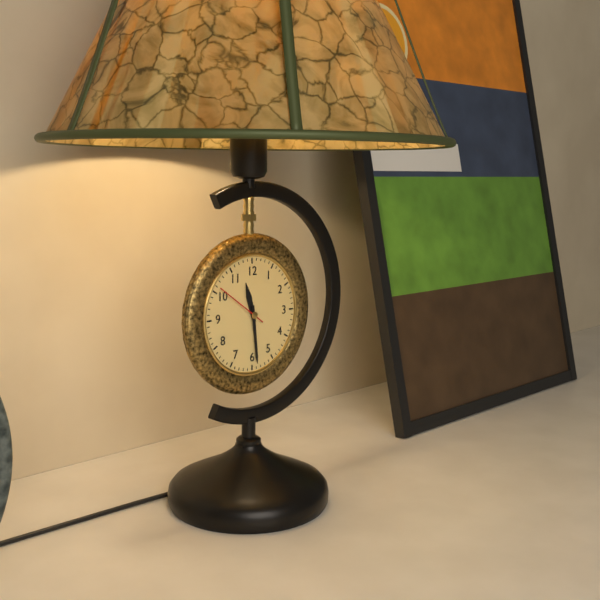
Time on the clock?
11:29:51
